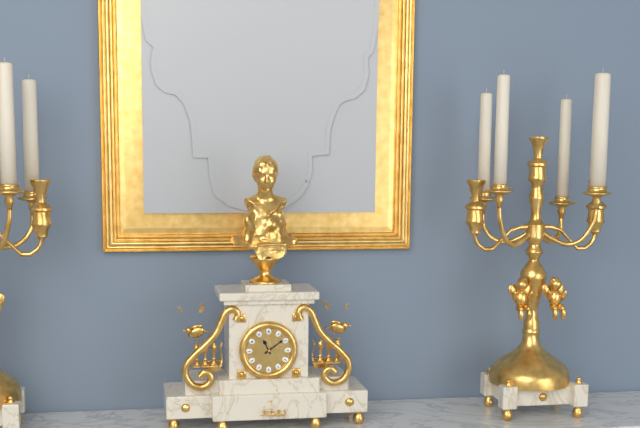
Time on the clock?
11:09
